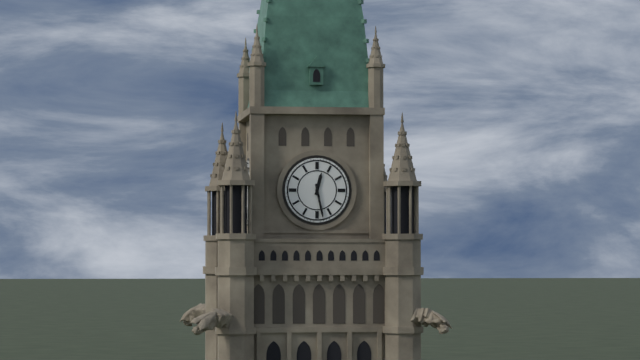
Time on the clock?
12:28
